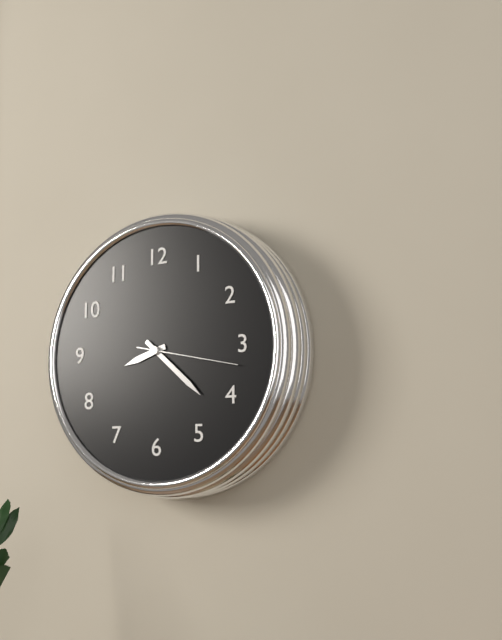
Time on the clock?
8:22:17
